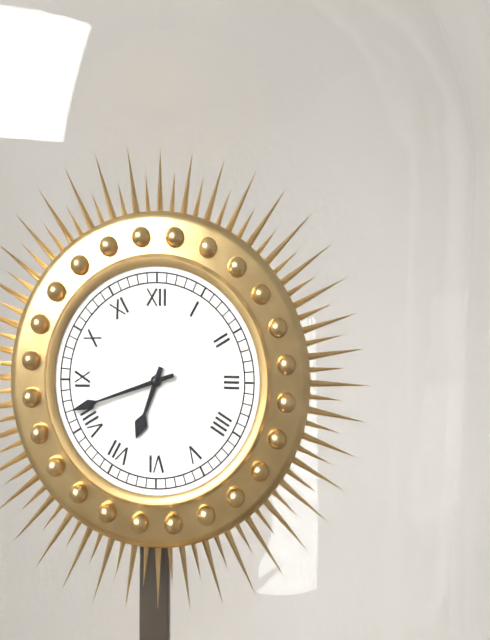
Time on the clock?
6:42
